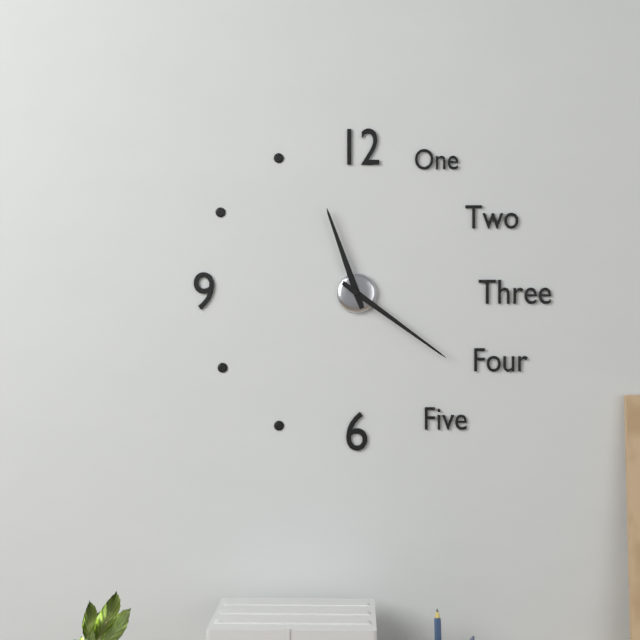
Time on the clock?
11:21
